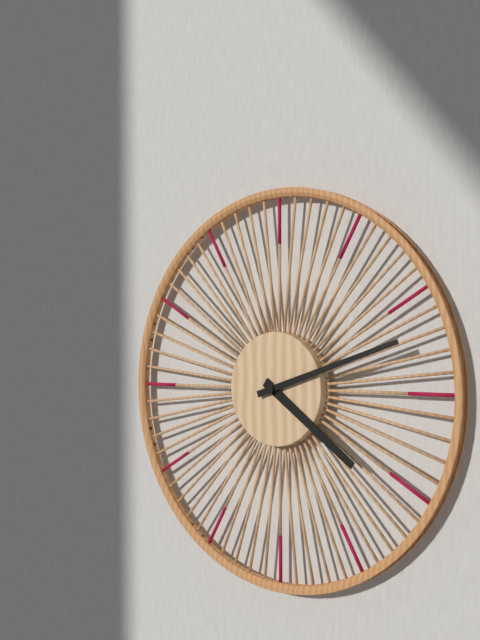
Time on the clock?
4:12
